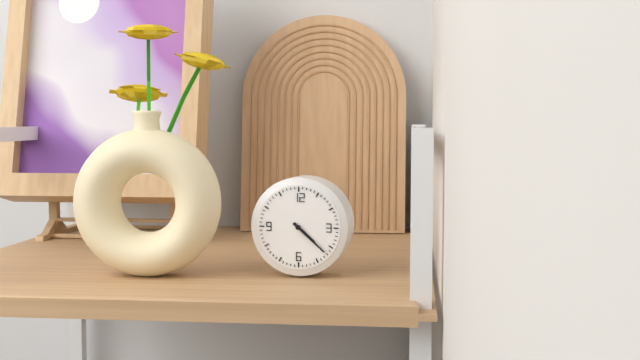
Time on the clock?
4:22
